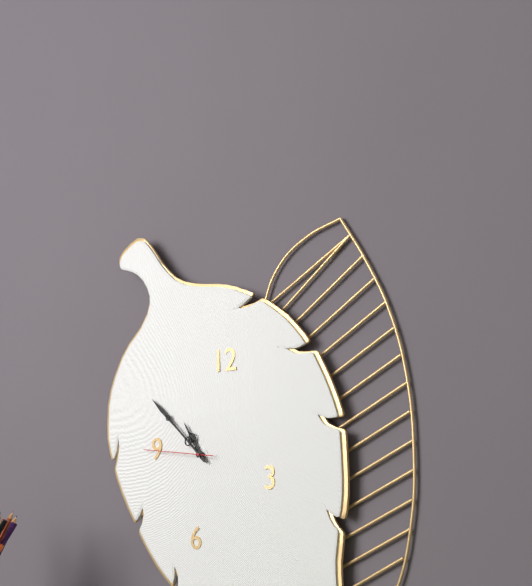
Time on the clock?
10:52:46
